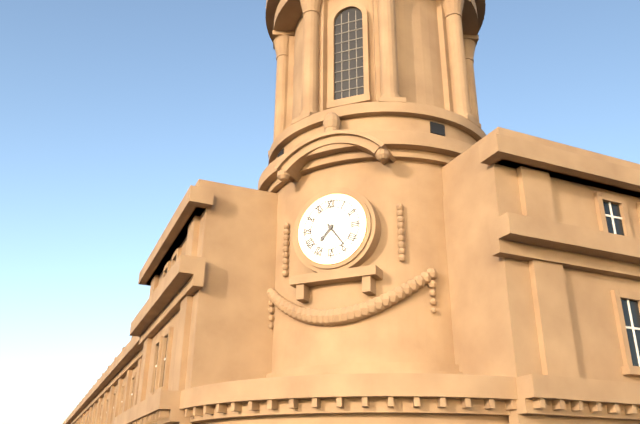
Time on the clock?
7:24
